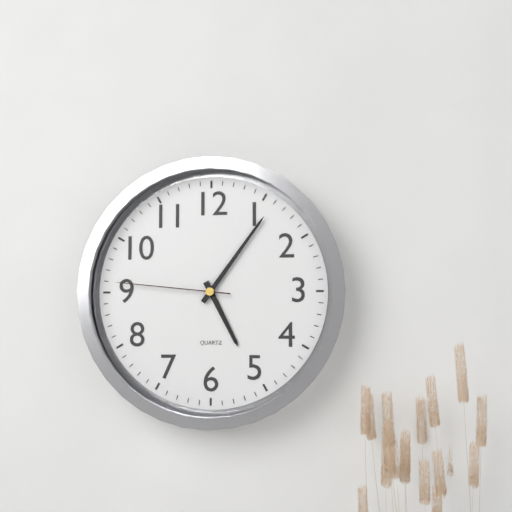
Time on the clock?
5:06:46
